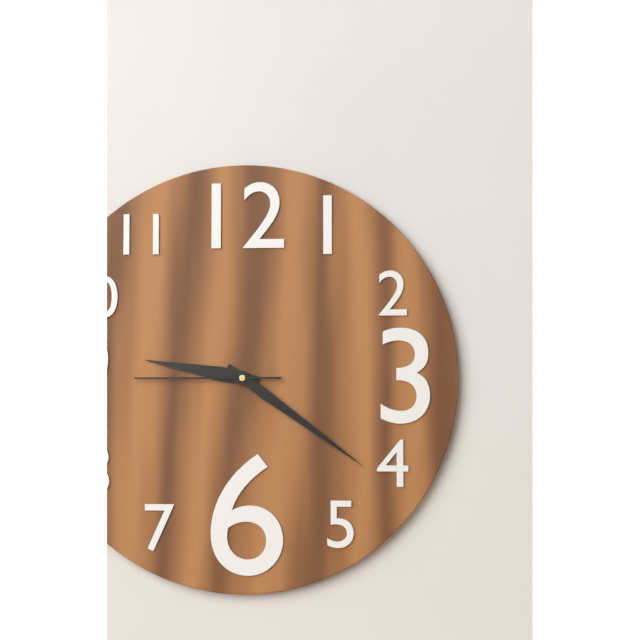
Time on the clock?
9:21:45
